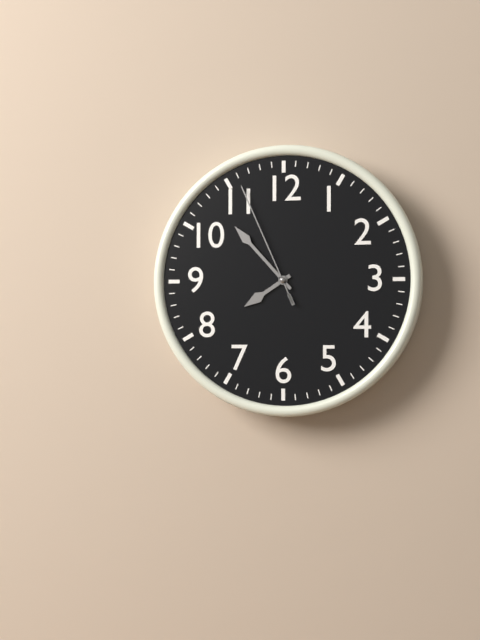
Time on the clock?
7:53:56
